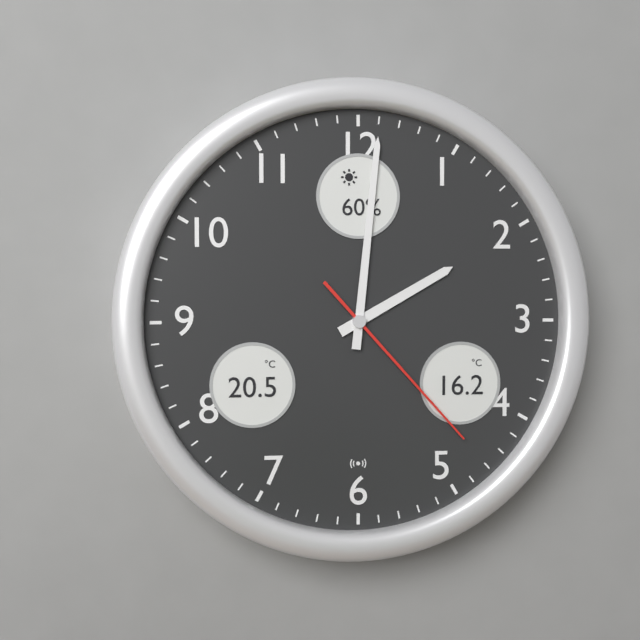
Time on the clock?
2:01:23
